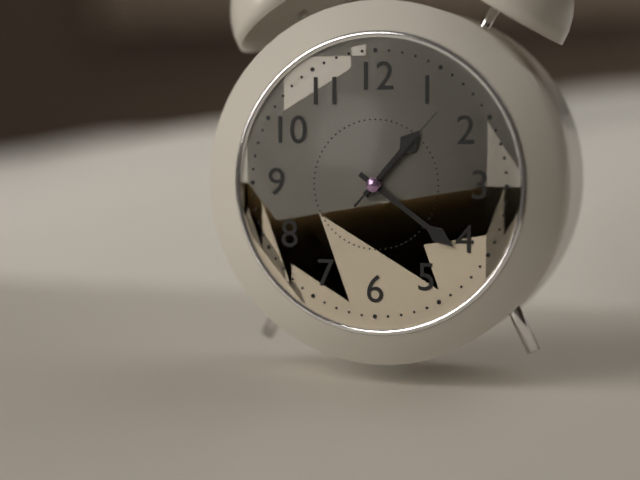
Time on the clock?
1:21:07
